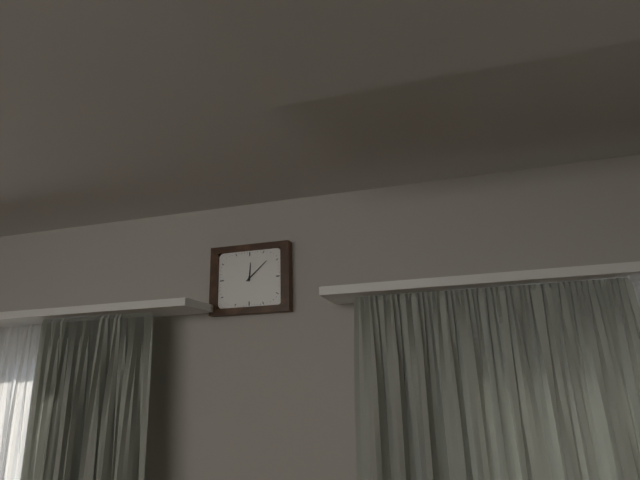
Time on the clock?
12:08
